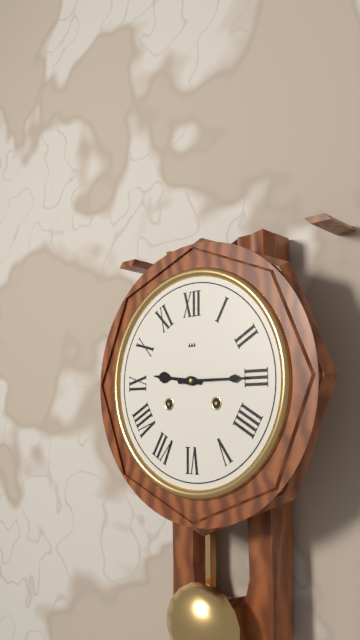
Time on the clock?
9:15
